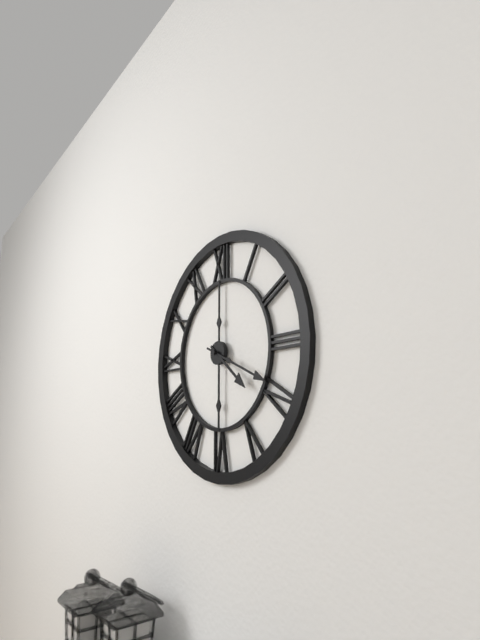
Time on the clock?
4:19
